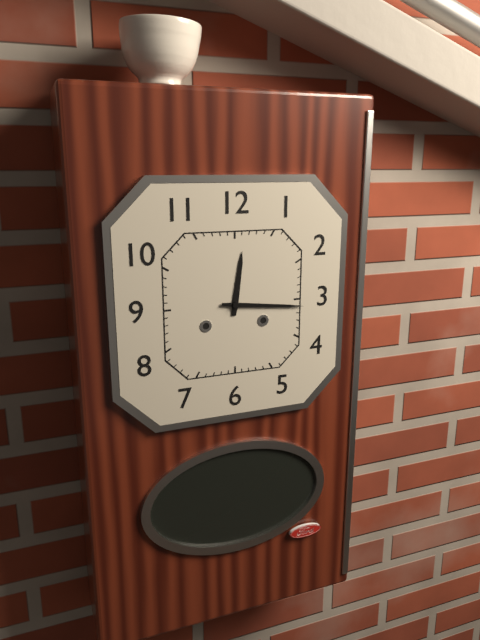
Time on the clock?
12:16
